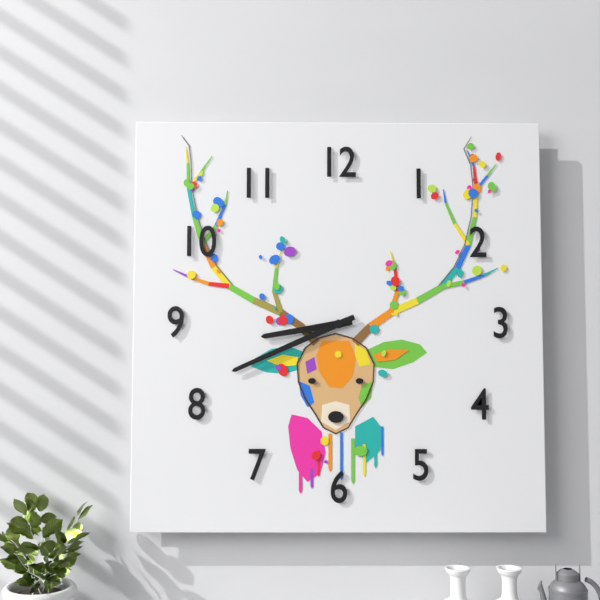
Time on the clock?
8:41
